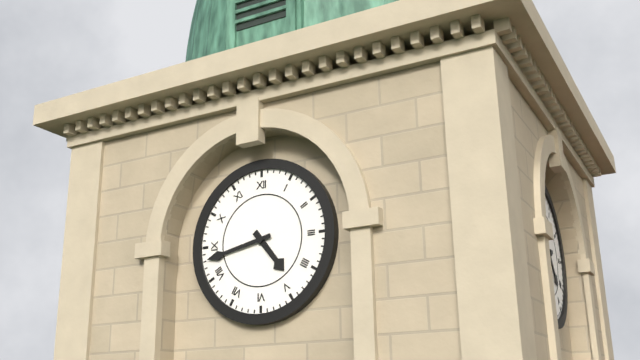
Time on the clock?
4:43
